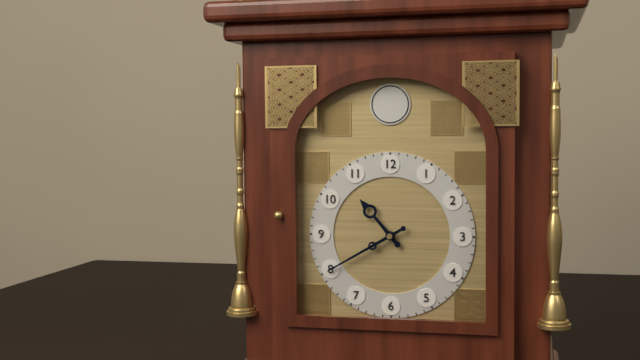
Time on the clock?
10:40
